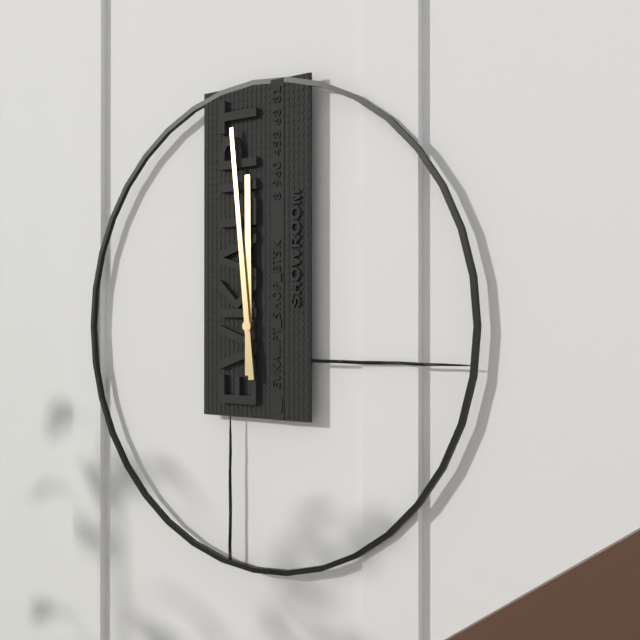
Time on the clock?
11:59
